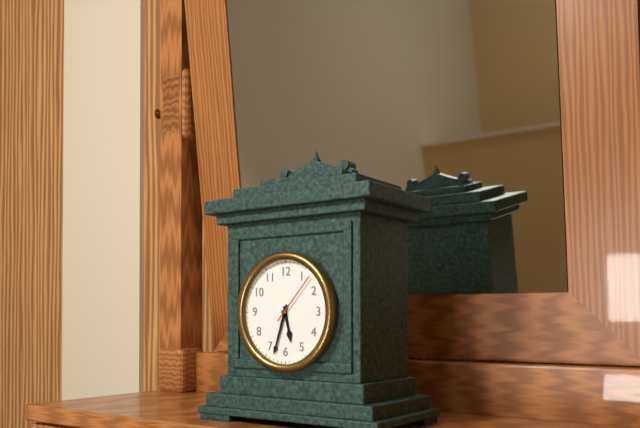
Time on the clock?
5:33:07
